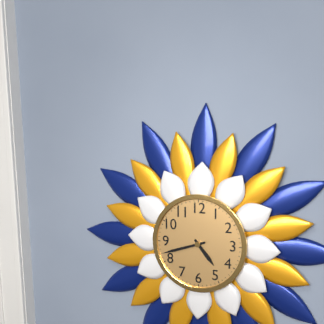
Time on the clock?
4:42
